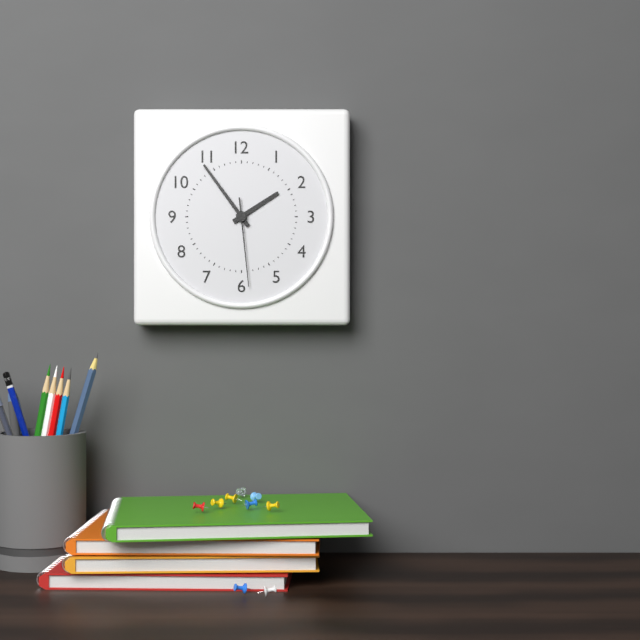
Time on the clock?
1:54:29
